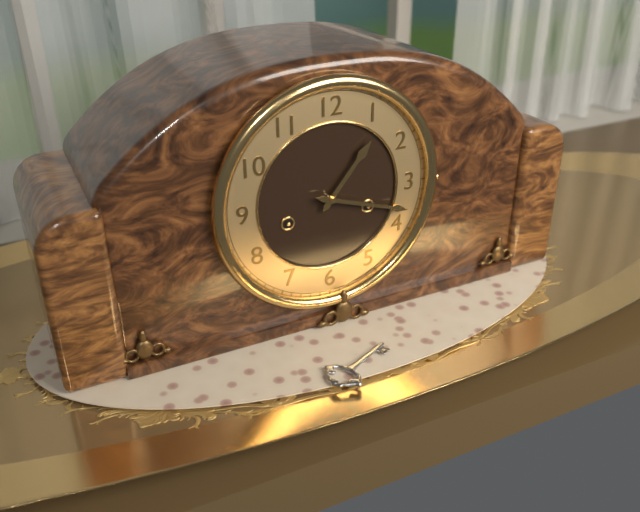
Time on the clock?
1:18
